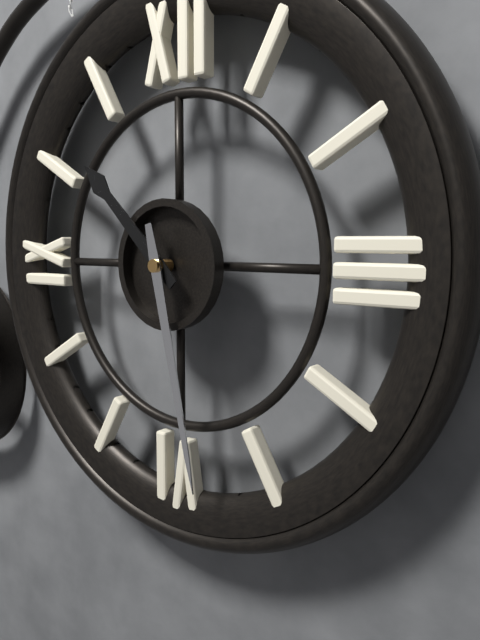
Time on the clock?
10:28
